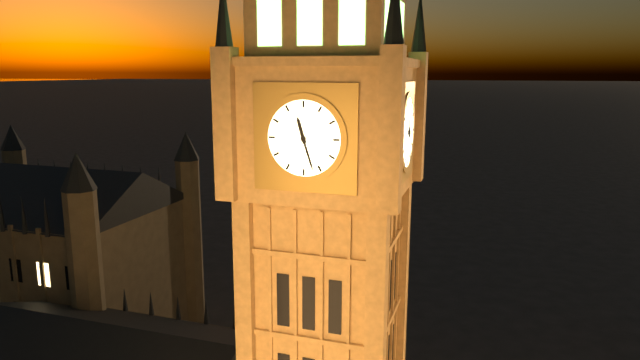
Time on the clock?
11:27
